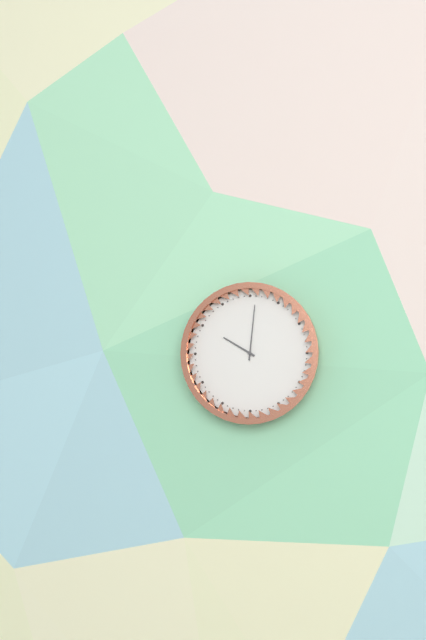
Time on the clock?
10:01
